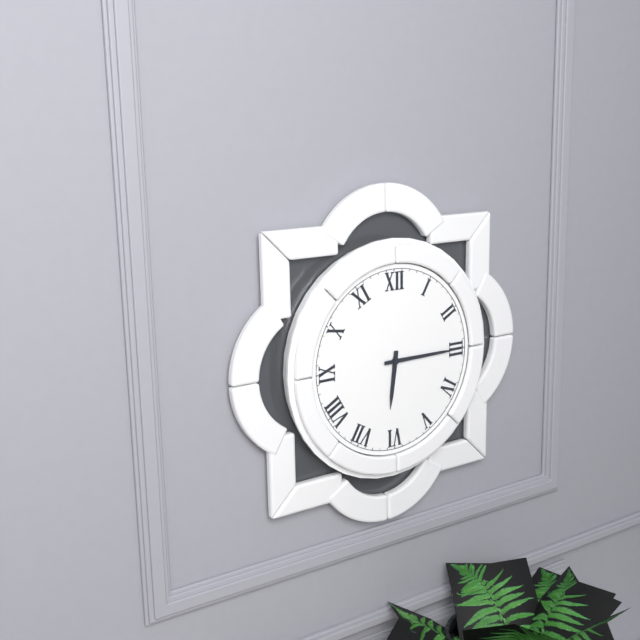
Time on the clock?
6:15
